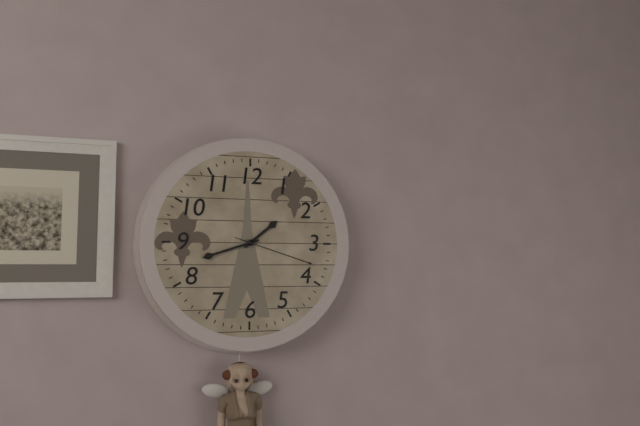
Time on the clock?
1:42:18
